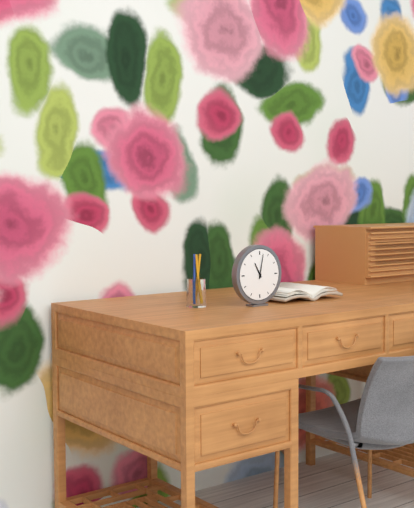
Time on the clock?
11:02
